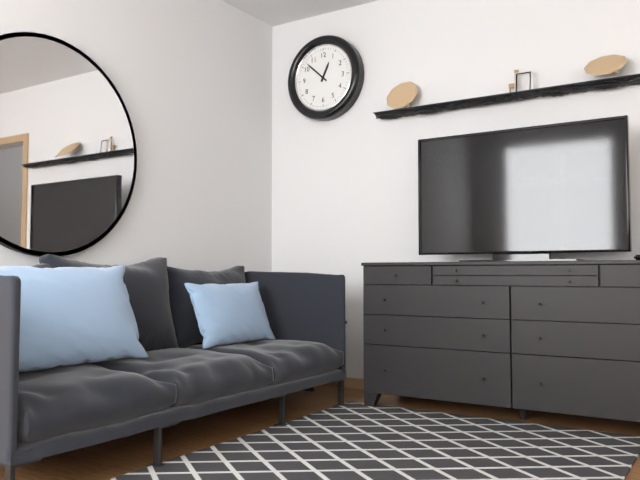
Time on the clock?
12:52
